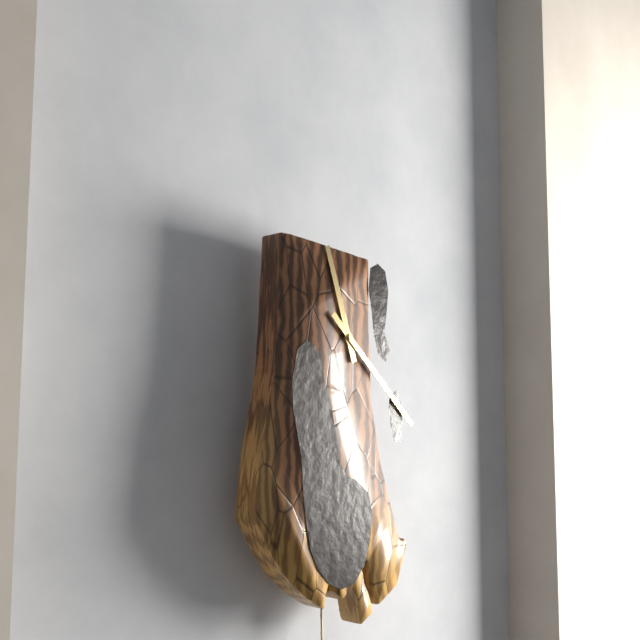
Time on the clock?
11:22
